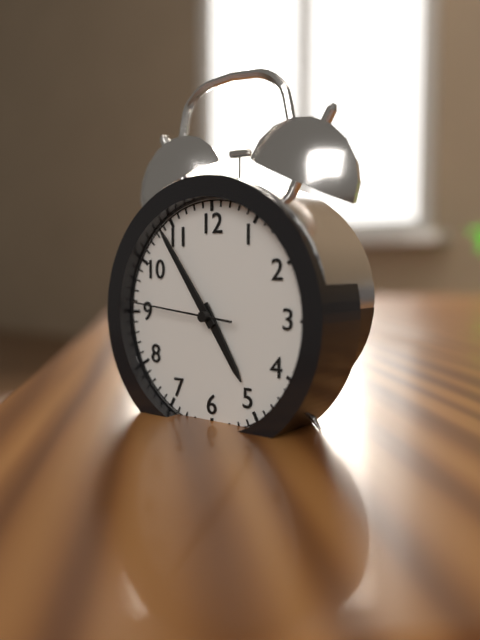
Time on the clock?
4:54:46
